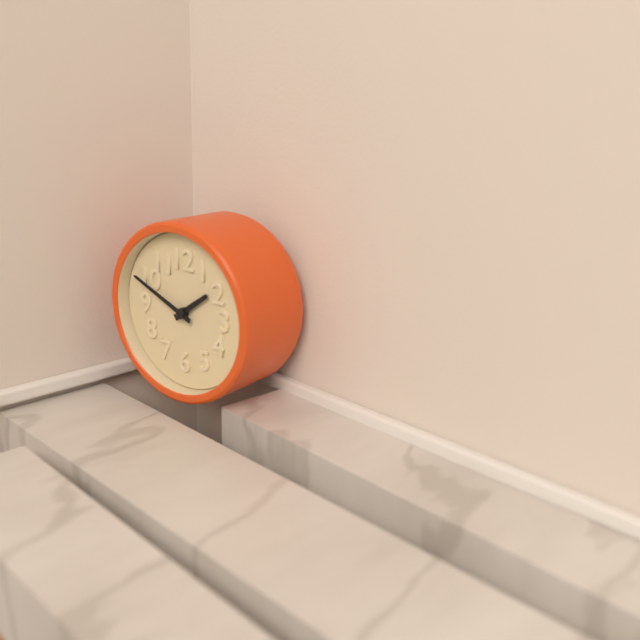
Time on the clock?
1:49
